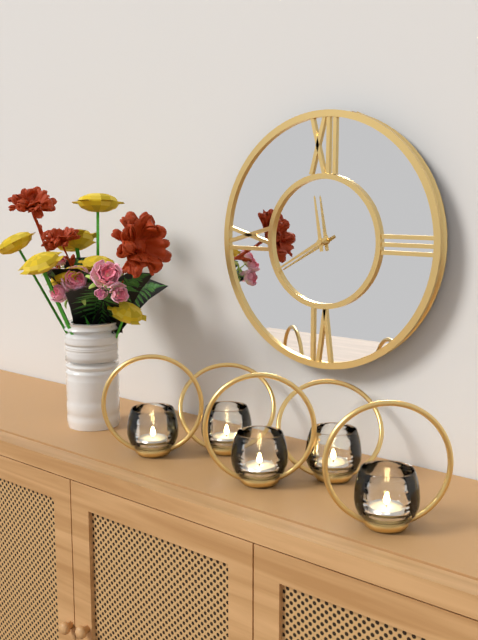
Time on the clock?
11:40
